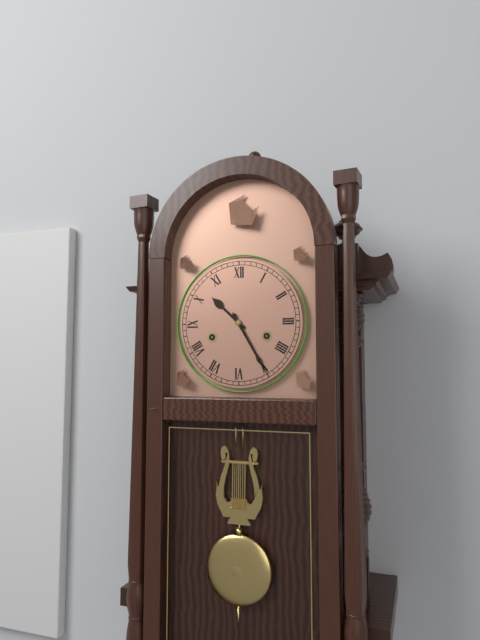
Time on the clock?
10:25
